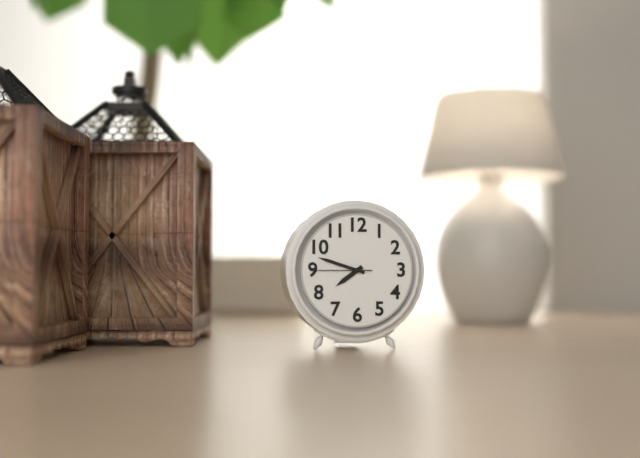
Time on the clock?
7:48:45
